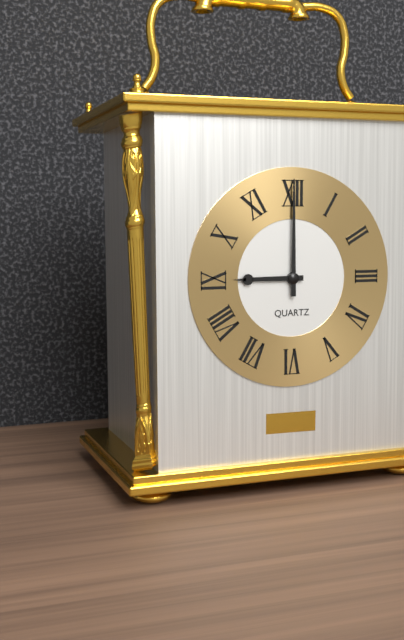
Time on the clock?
9:00
